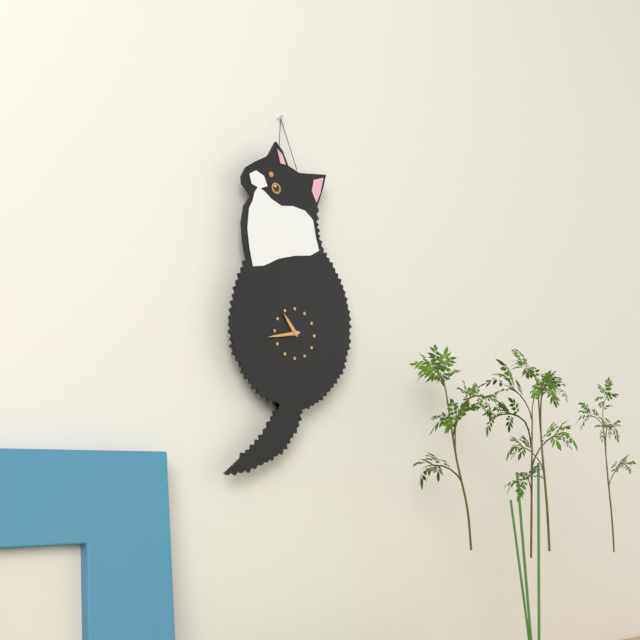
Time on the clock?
10:43
